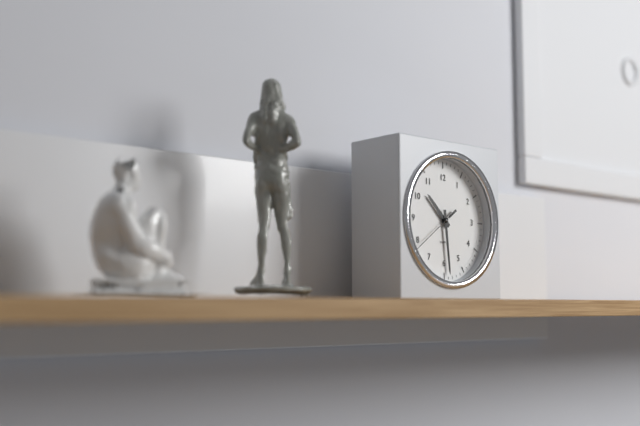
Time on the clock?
10:29:39
